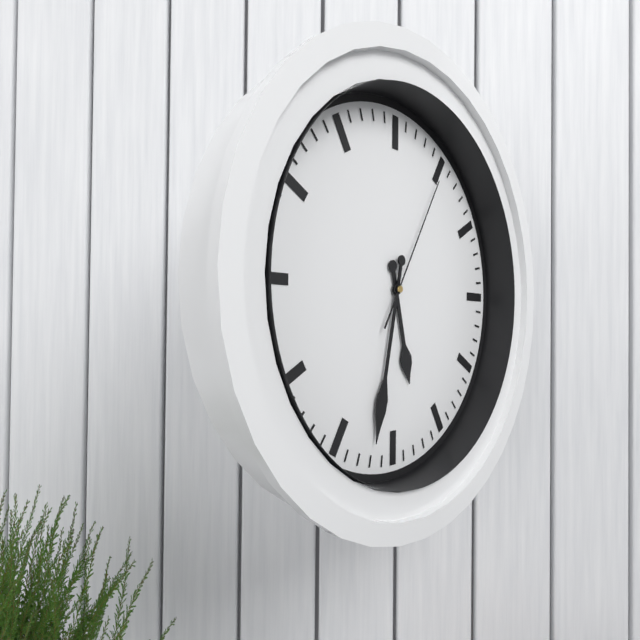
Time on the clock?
5:32:05
